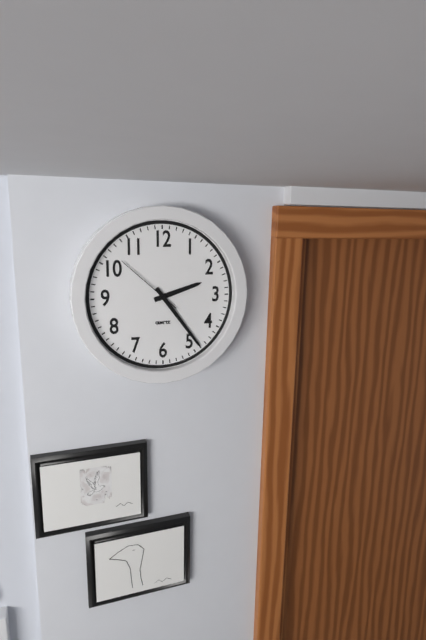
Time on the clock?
2:24:52
